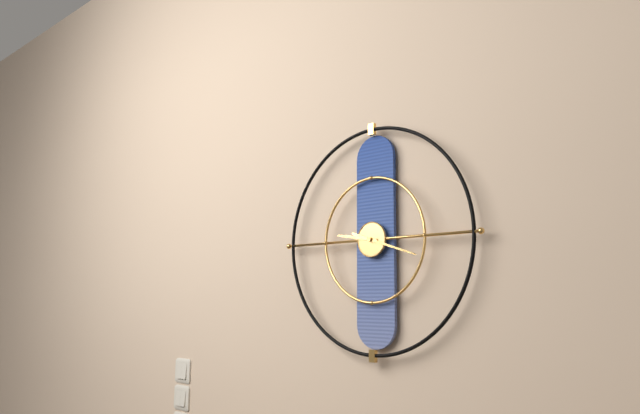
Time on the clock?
9:18
